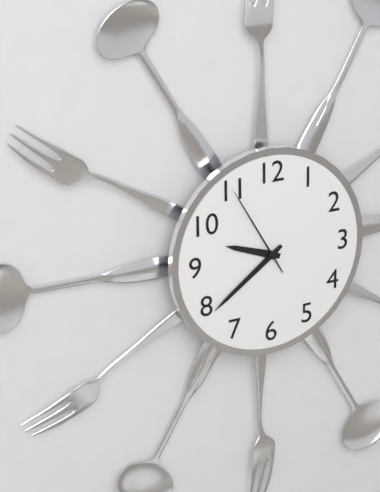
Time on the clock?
9:39:55
